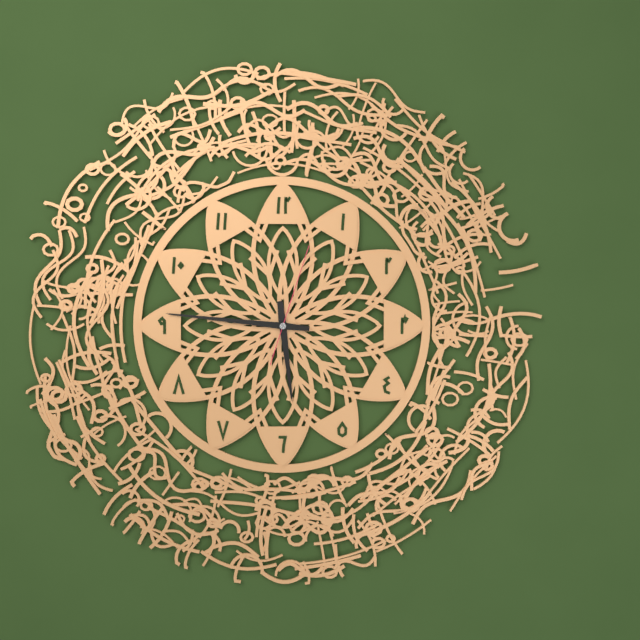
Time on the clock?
5:46:03
